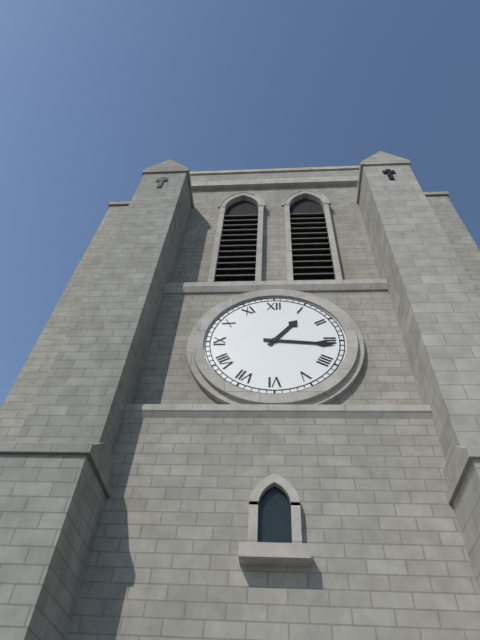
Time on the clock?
1:16
